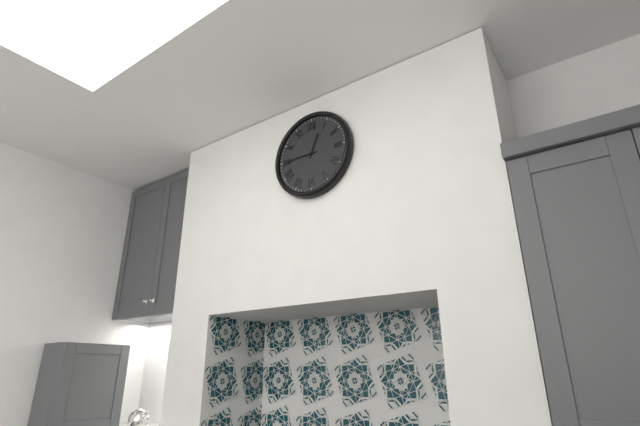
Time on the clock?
12:45
